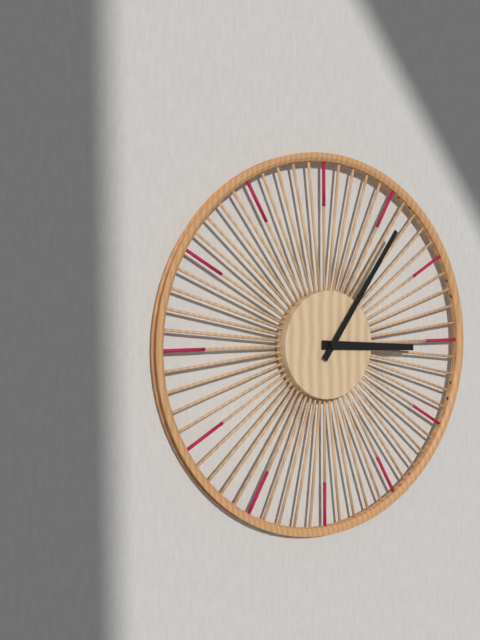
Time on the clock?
3:06
